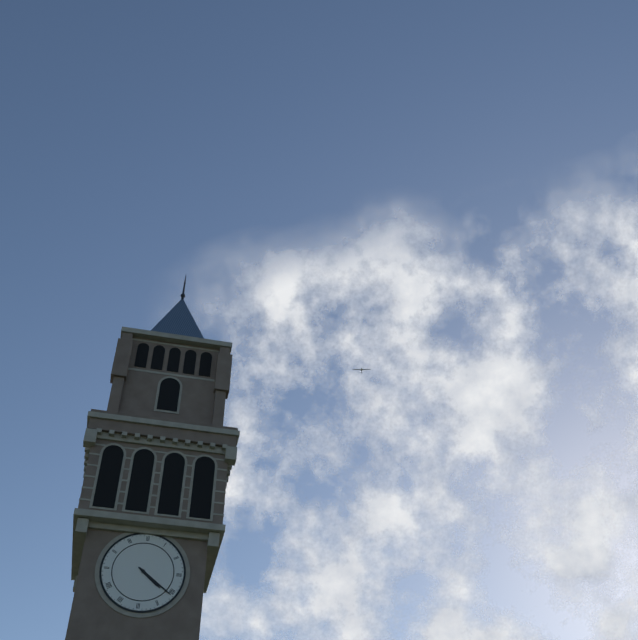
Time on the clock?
4:21
